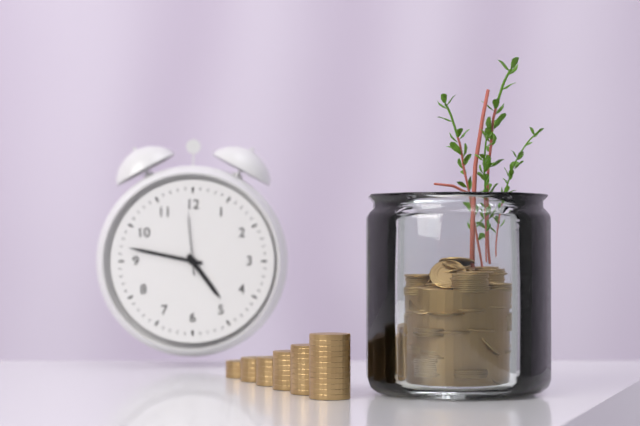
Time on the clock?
4:47:59
